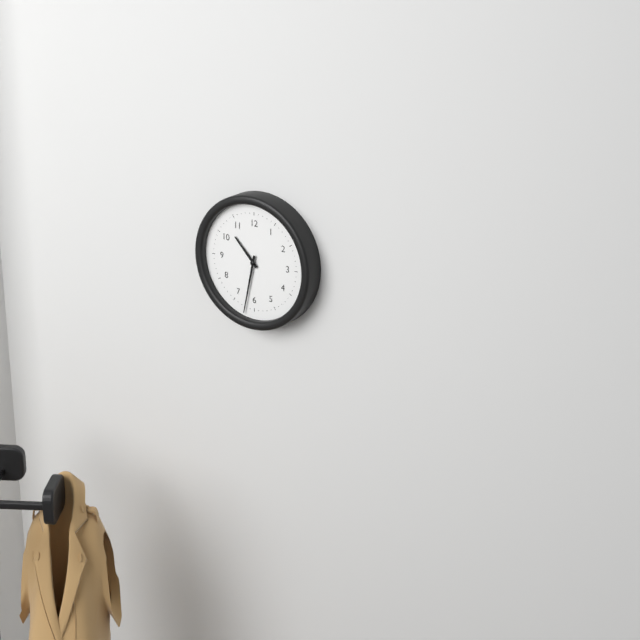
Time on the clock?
10:32
